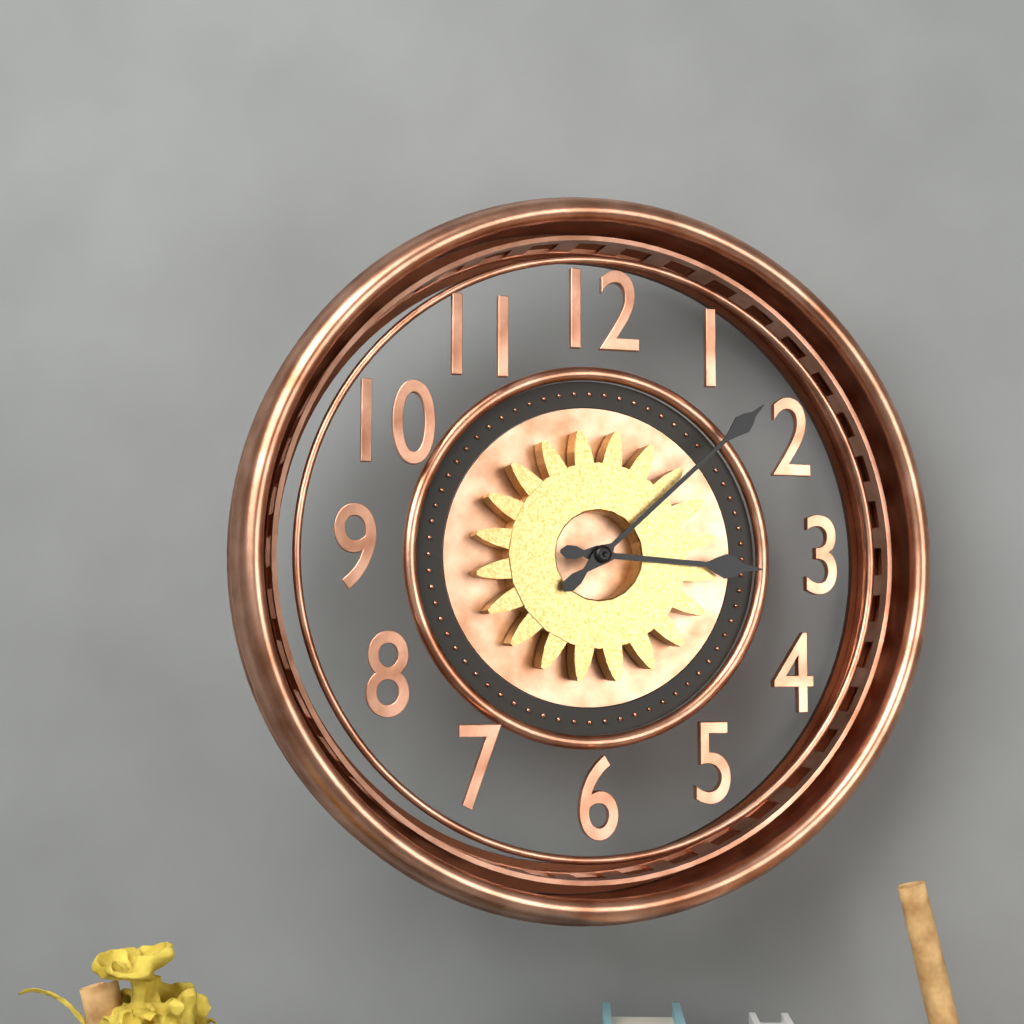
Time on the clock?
3:08
